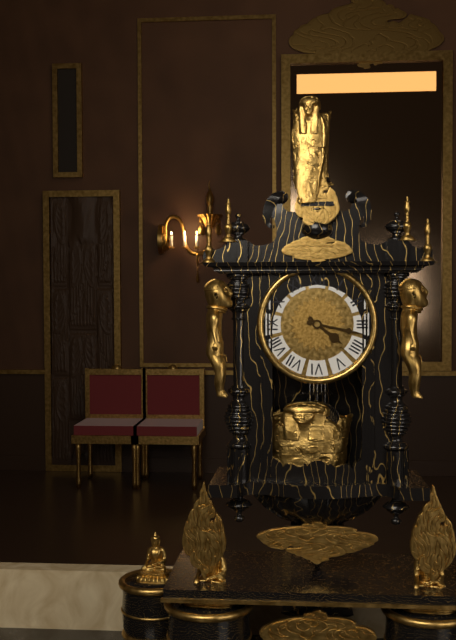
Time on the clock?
4:17
